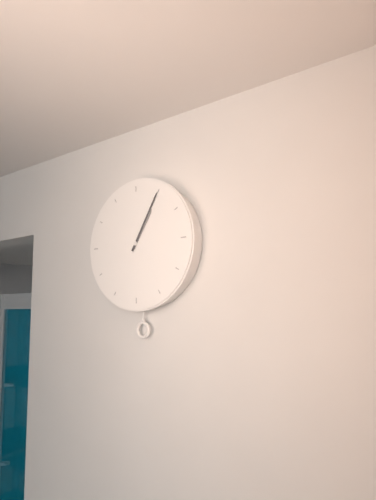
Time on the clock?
1:05
